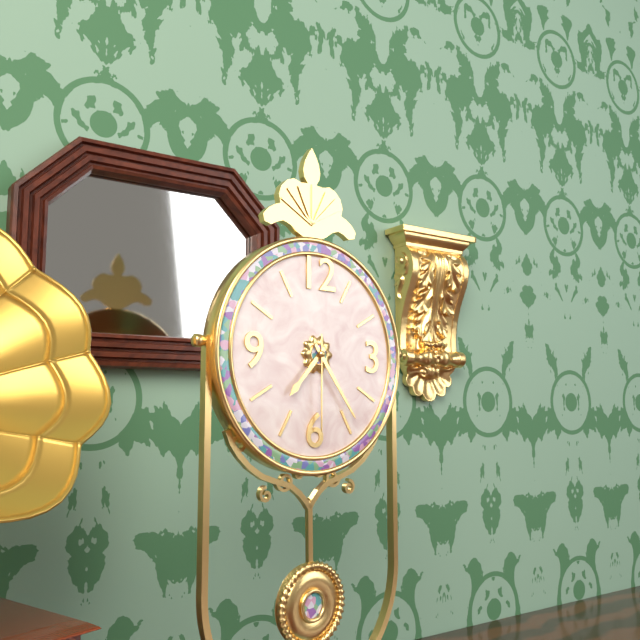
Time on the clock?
7:24:30
